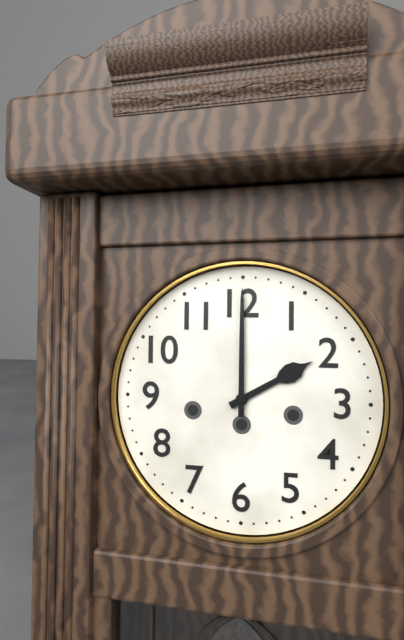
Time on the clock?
2:00
